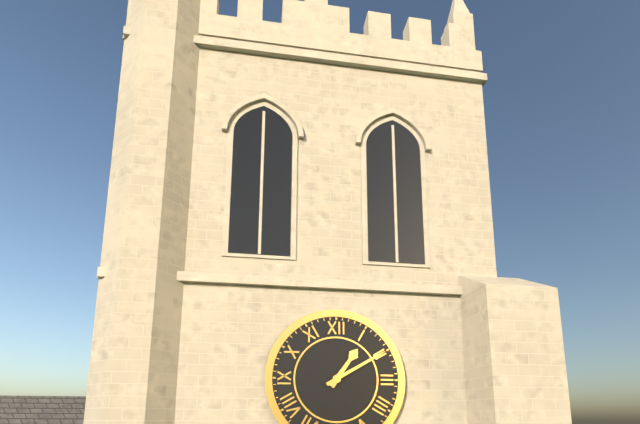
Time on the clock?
1:10
